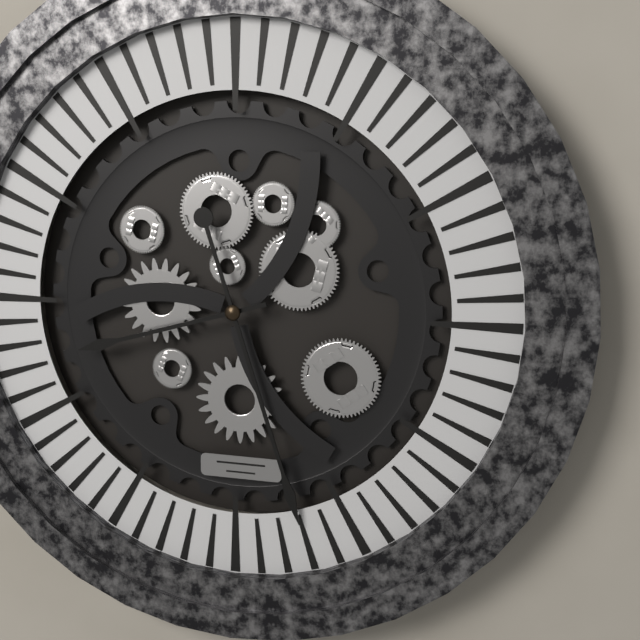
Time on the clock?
8:27
